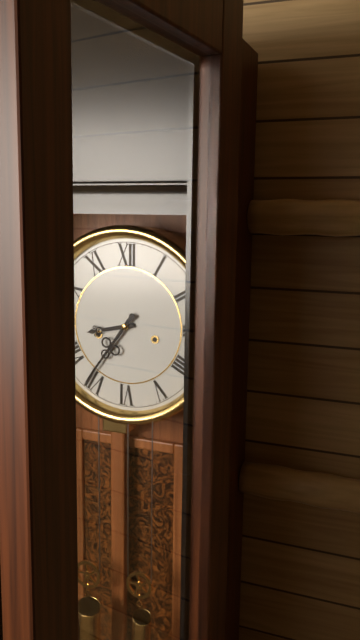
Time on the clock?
8:36
